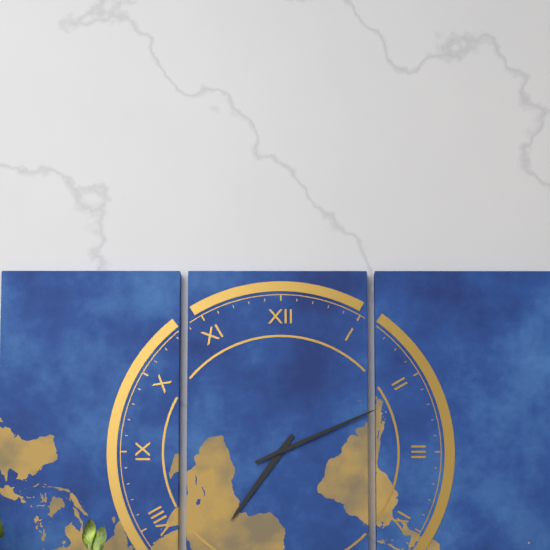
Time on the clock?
7:11
